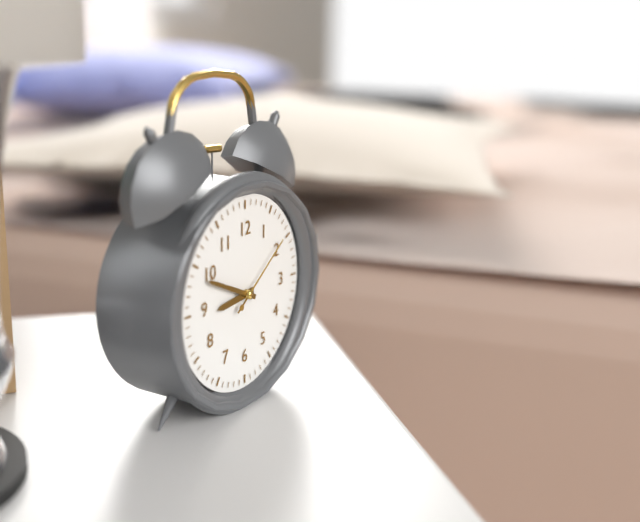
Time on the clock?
8:49:09
